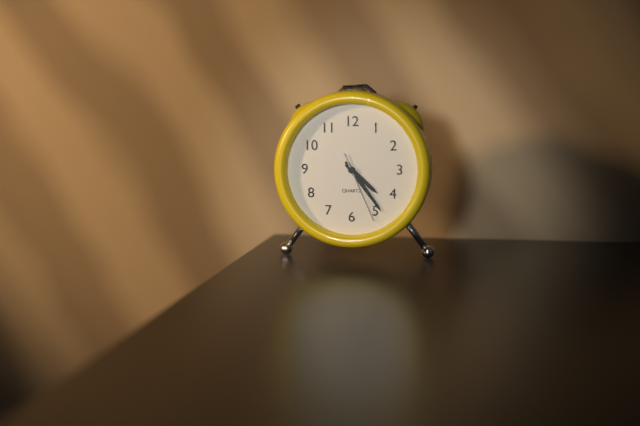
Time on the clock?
4:24:26
